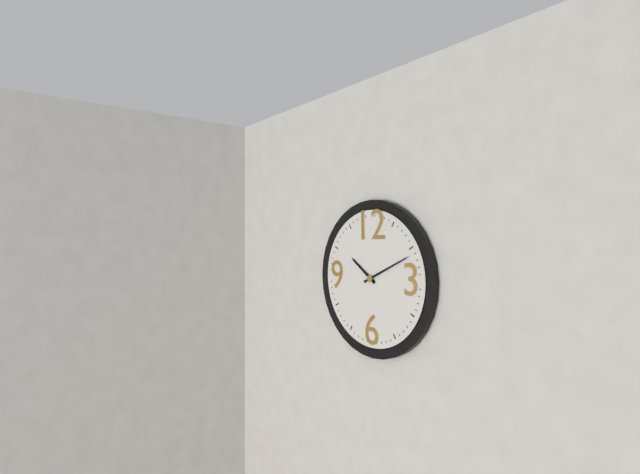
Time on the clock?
10:11
